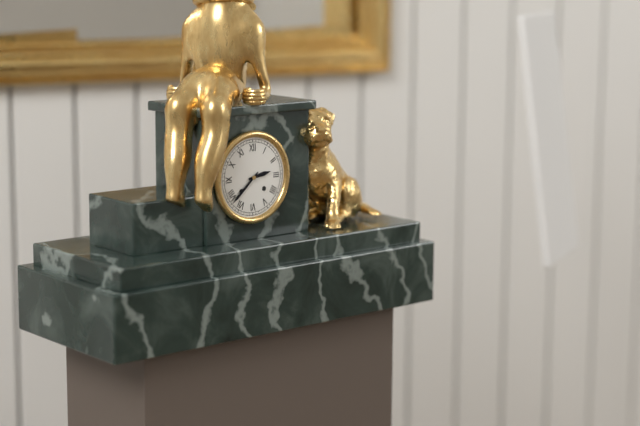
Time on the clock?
2:38
